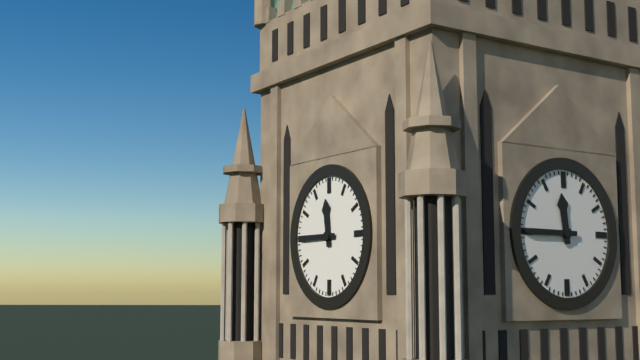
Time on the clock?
11:45
